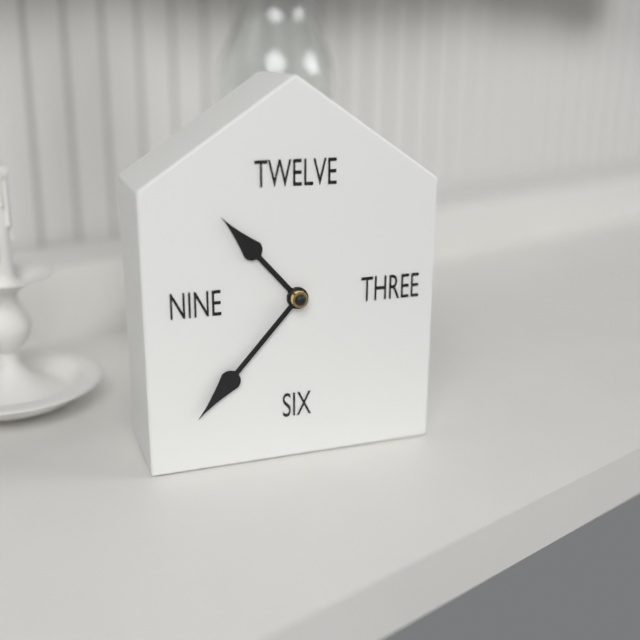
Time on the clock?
10:37
